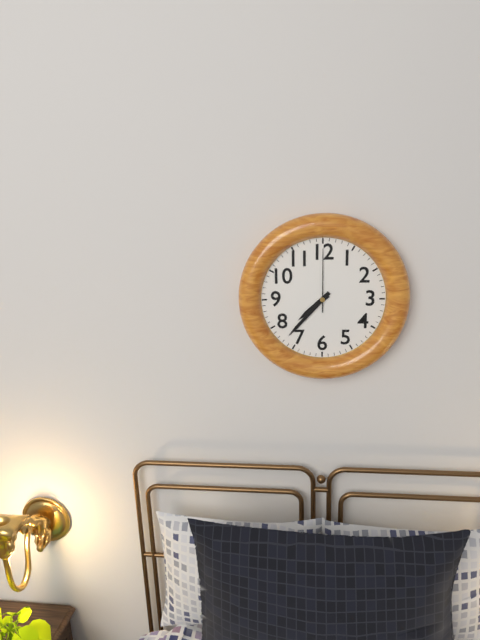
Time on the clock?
7:37:00
